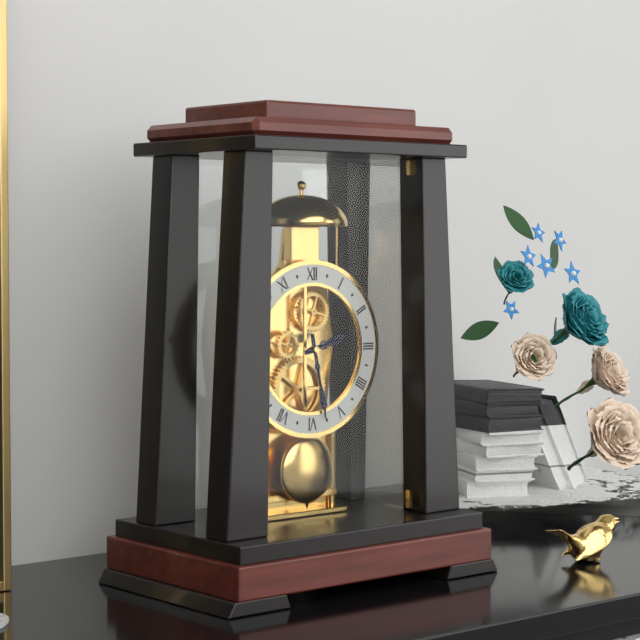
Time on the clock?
2:28
